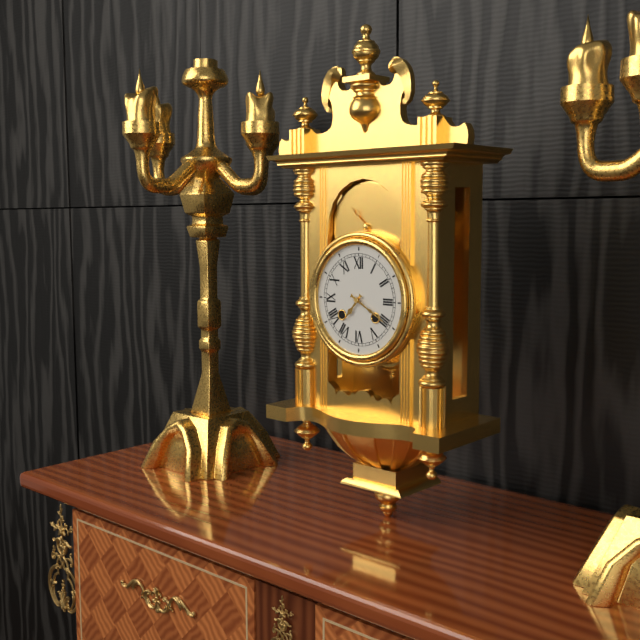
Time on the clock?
7:20
